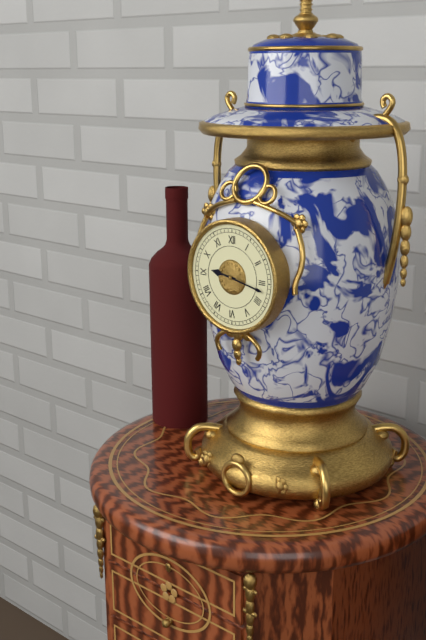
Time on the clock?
9:17
